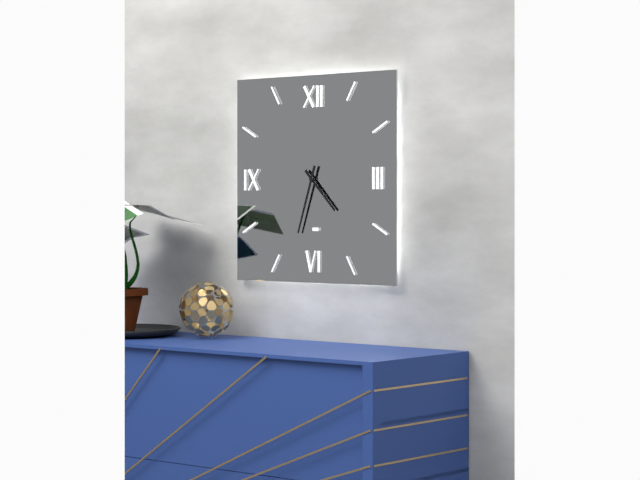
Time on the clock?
4:33
